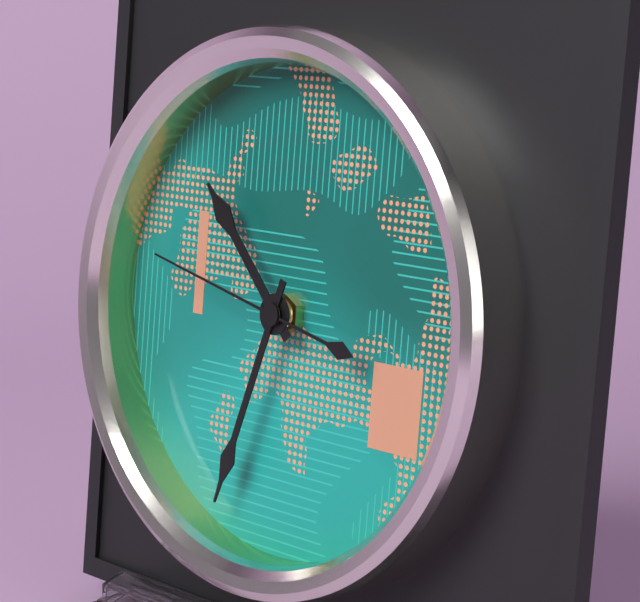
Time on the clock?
10:33:47
